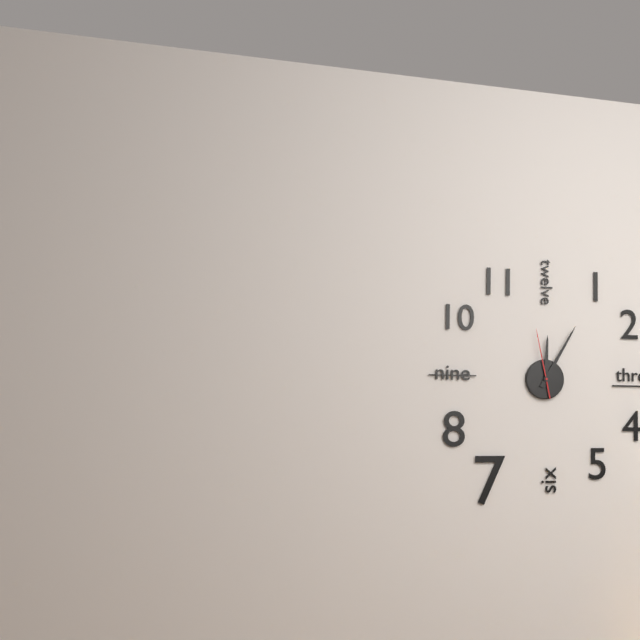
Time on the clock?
12:05:58
